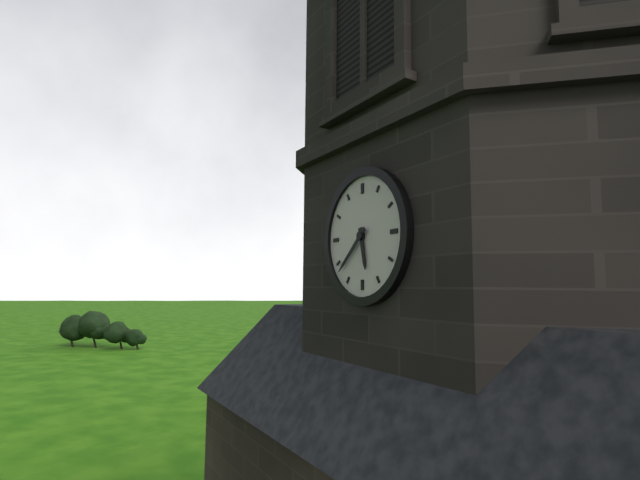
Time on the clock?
5:38
